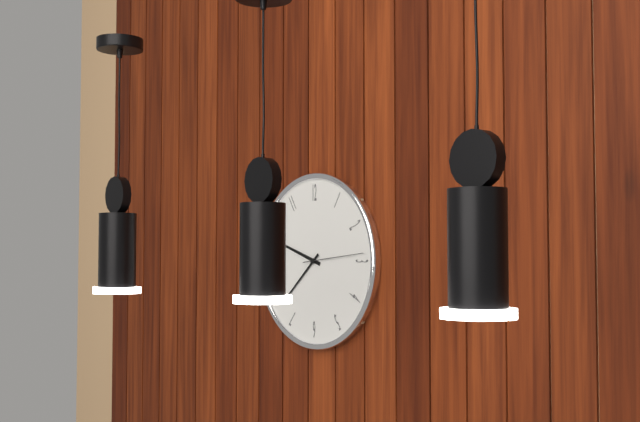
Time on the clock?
9:38:14
